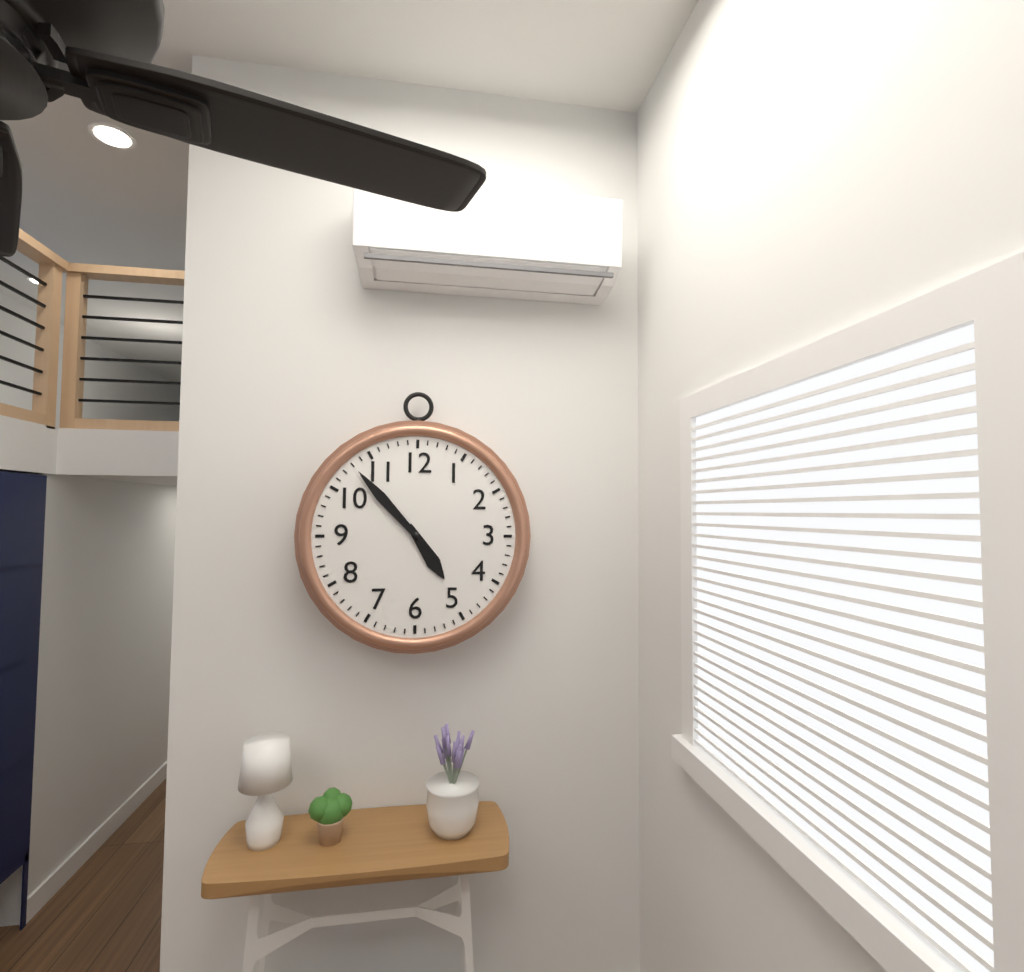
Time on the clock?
4:53
